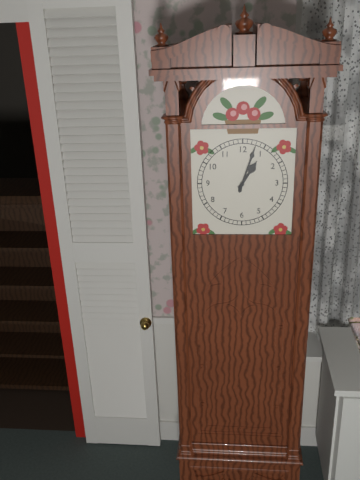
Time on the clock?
1:03
